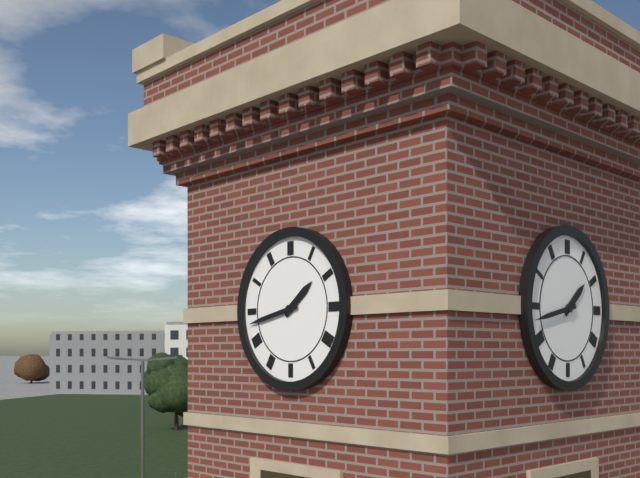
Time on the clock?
1:43
